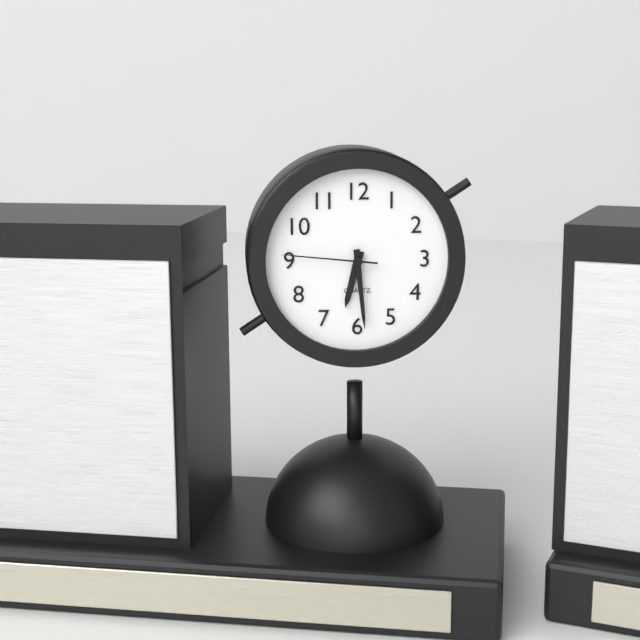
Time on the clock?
6:29:46
